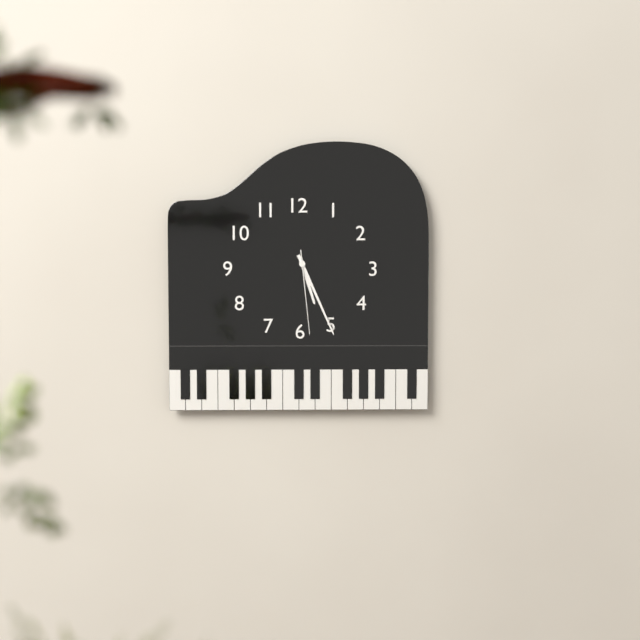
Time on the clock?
5:26:29
